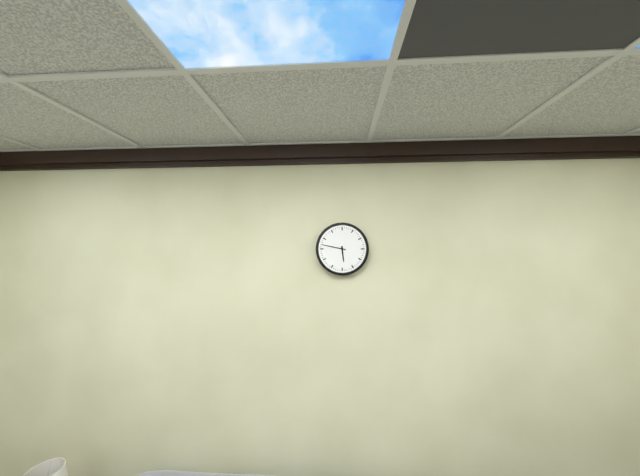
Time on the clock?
5:47
